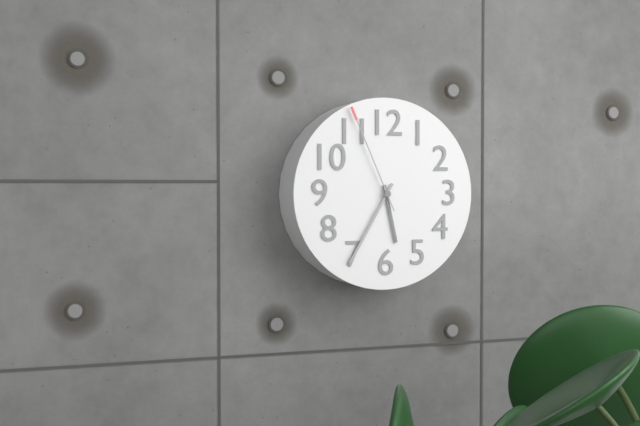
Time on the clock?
5:35:56
